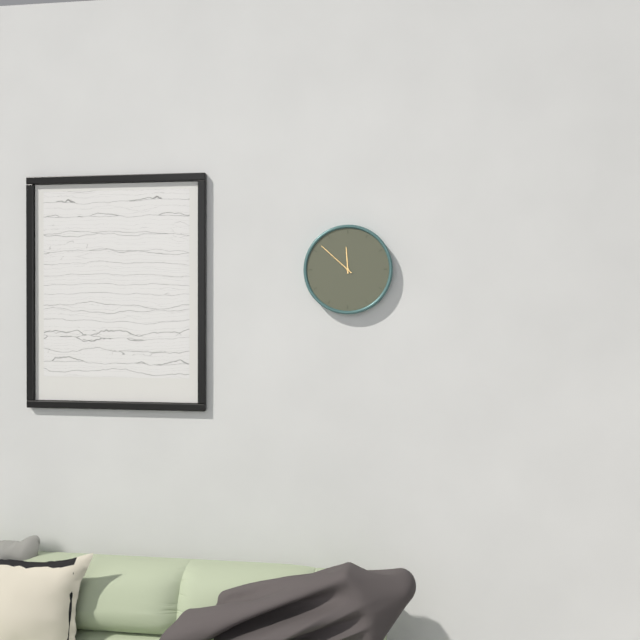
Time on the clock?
11:52
